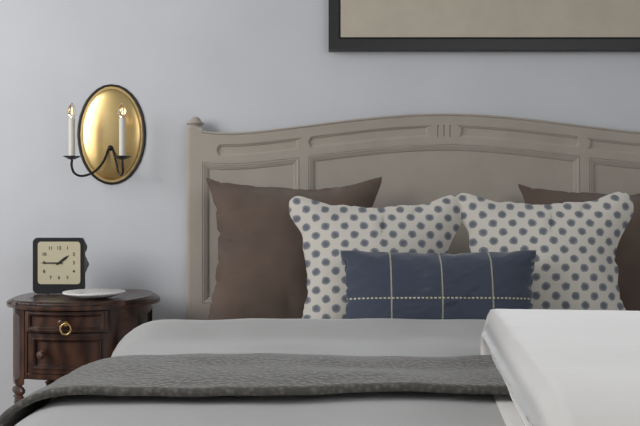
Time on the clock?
1:45
